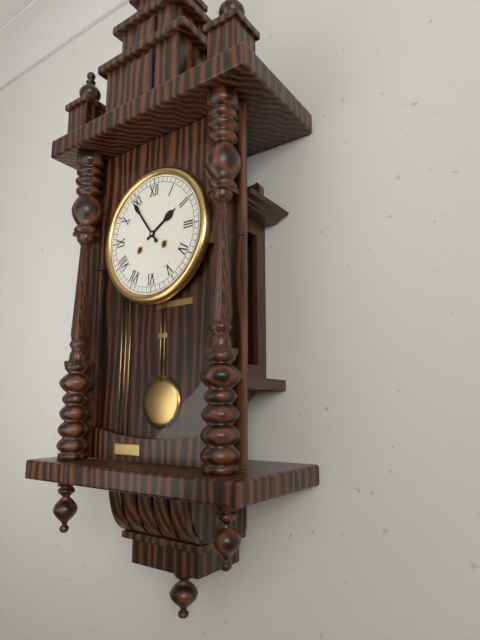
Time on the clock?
1:54
